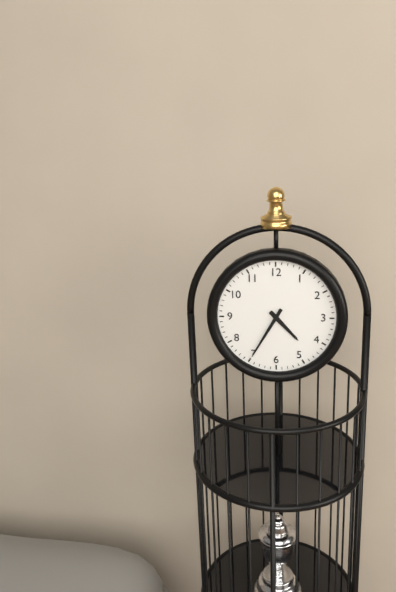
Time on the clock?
4:35
